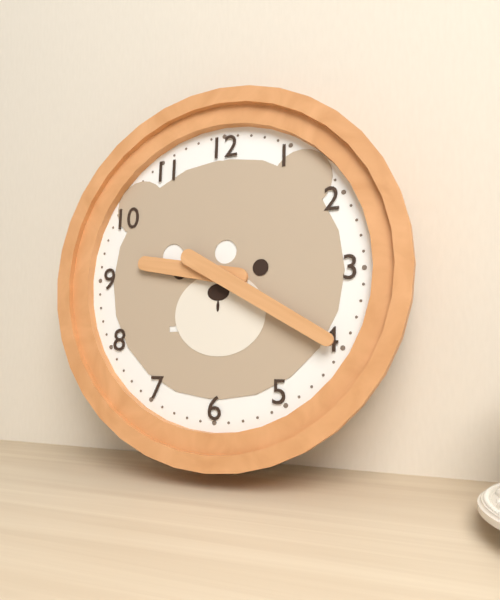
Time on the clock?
9:20
